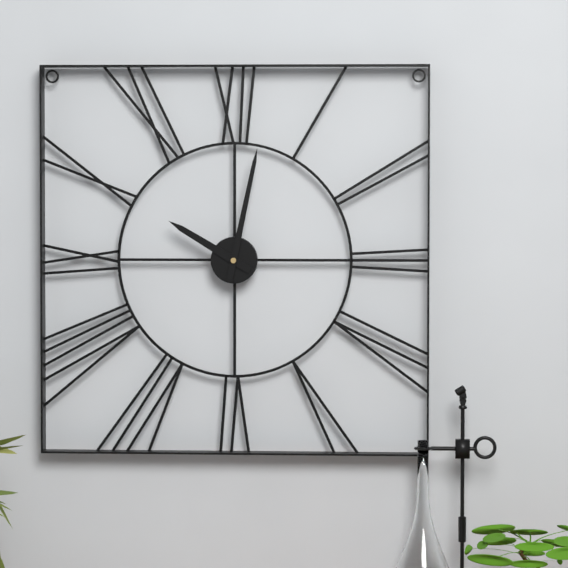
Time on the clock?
10:02
